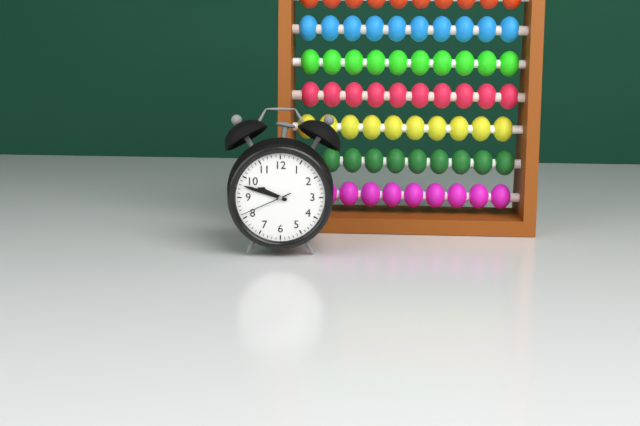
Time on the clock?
9:48:41
